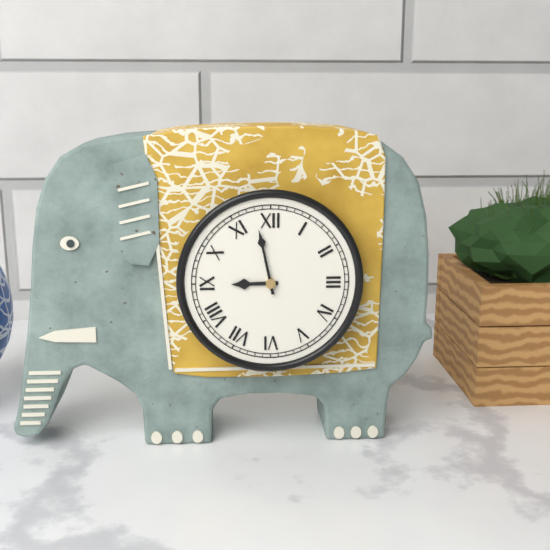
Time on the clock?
8:58
